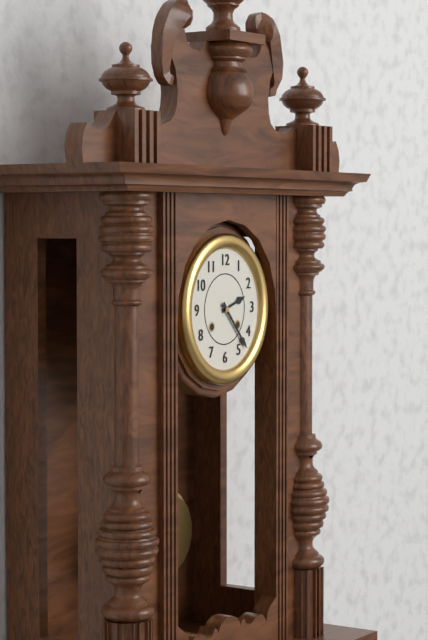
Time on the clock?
2:23
